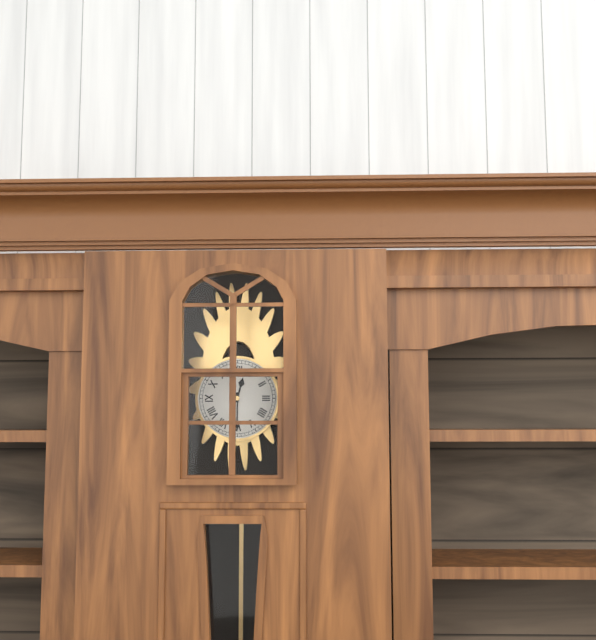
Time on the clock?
12:30
